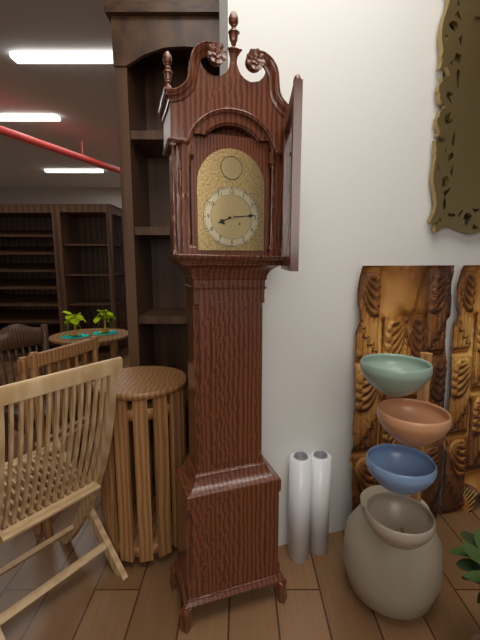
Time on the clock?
8:14
